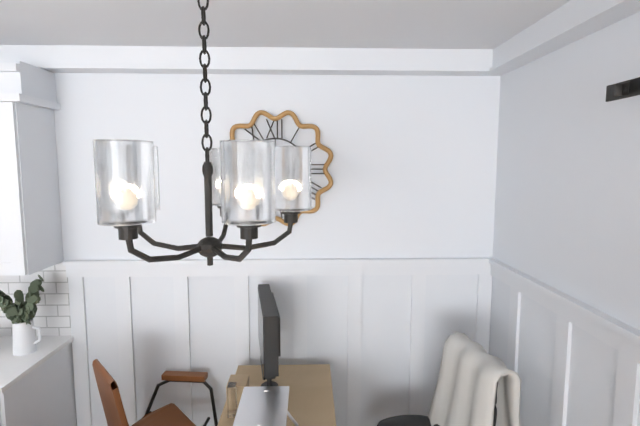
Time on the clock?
6:19
